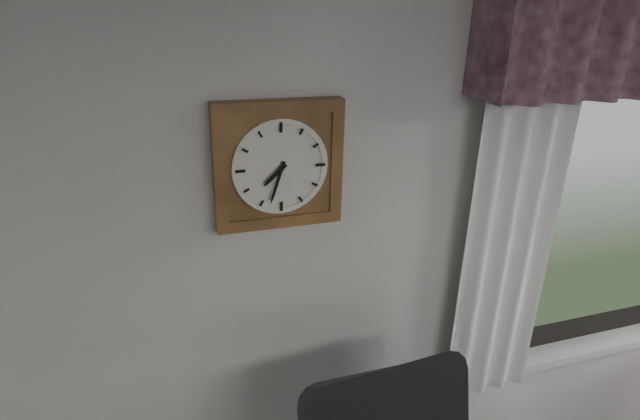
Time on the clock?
7:33
